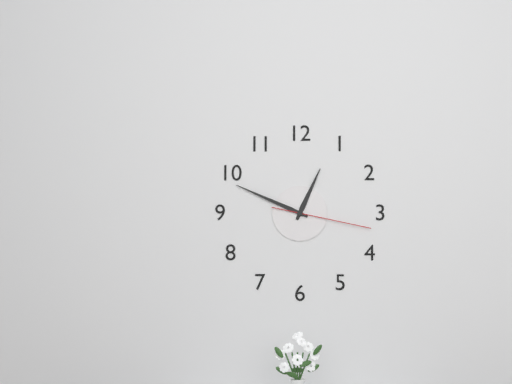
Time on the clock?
12:49:17
